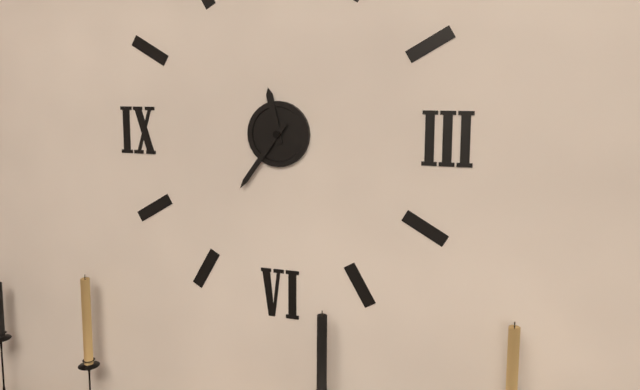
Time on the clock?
11:36
